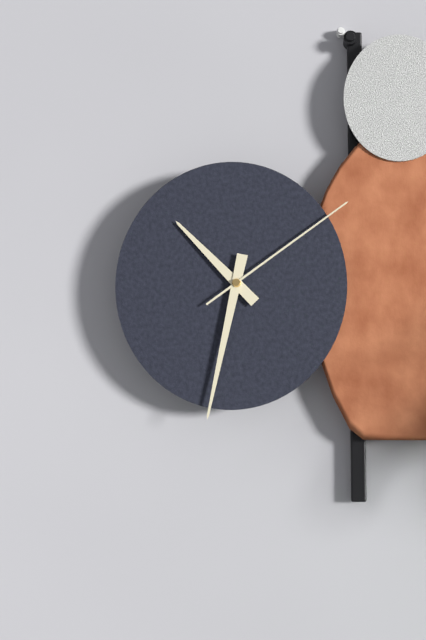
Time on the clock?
10:32:09
